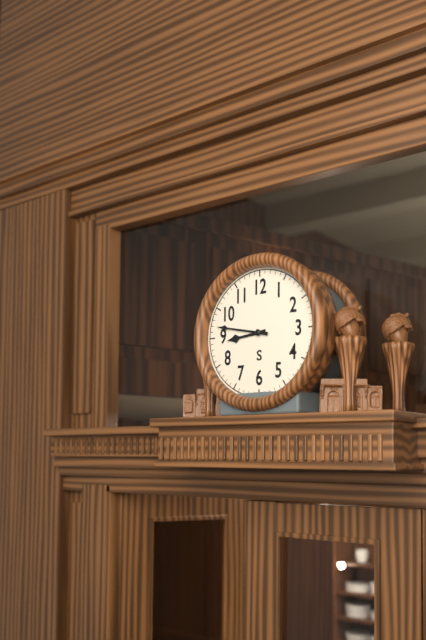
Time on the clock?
8:47
